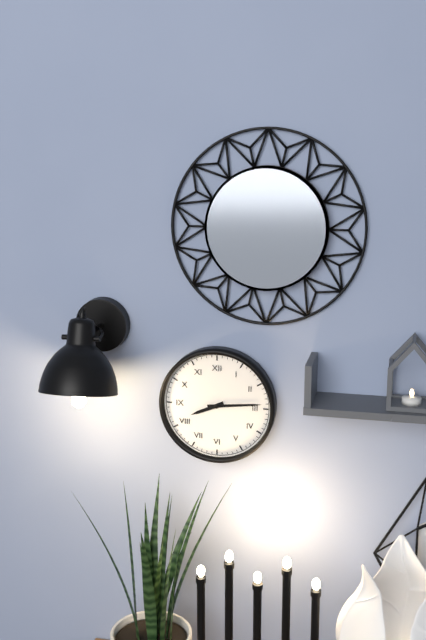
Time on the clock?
8:14
